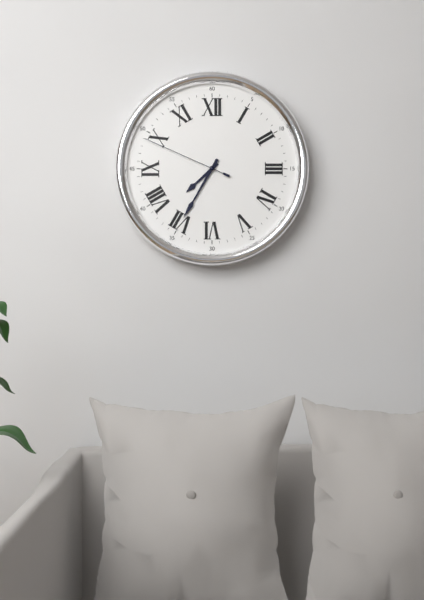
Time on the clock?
7:35:49
